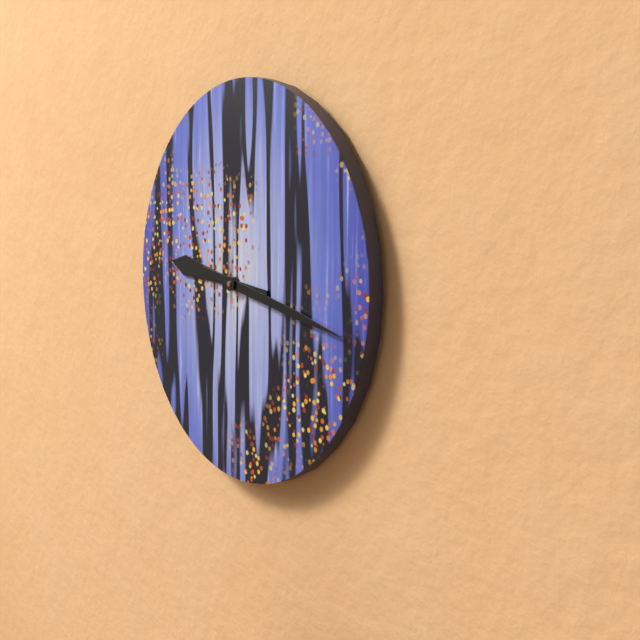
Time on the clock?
9:17
